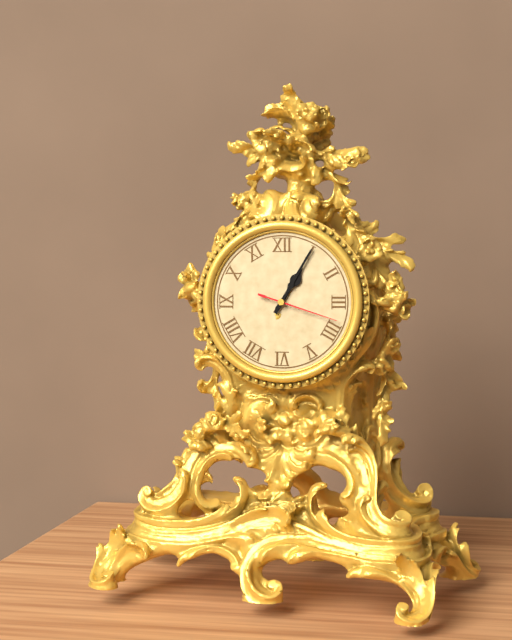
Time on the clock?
1:05:18
